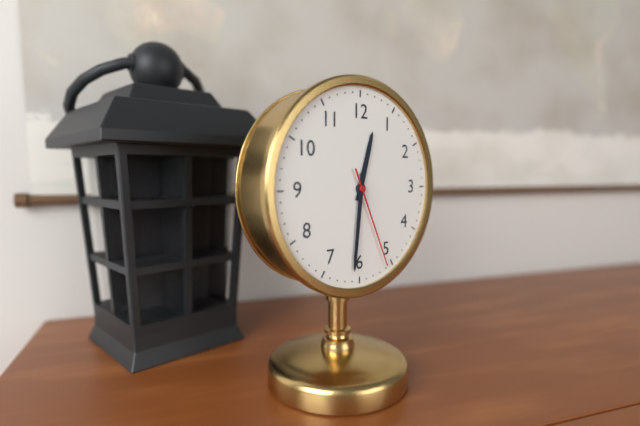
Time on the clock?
12:31:26
